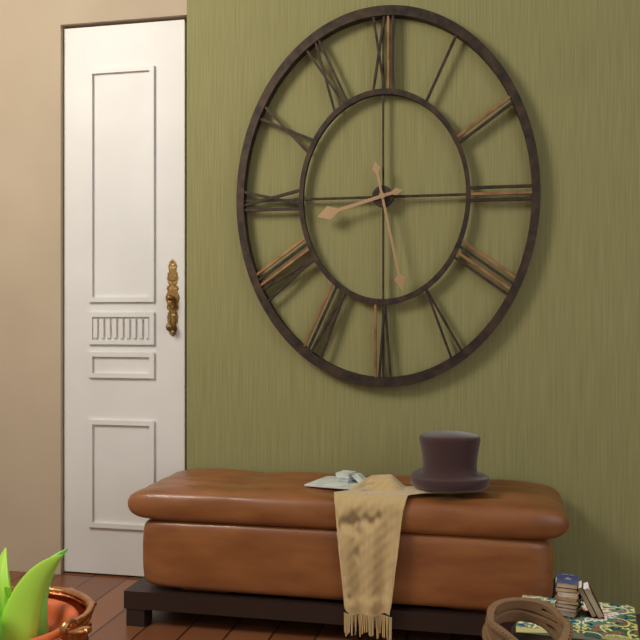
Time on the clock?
8:28
